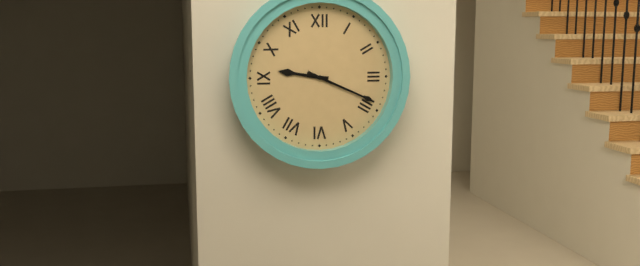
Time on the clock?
9:19
